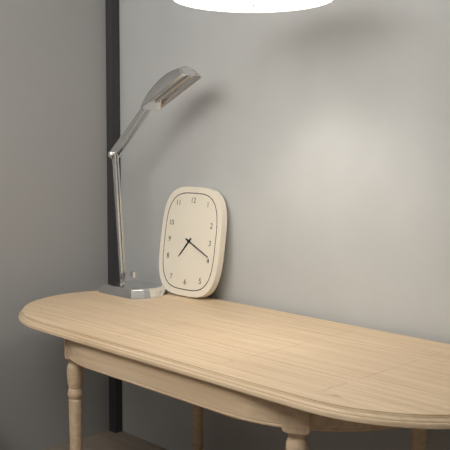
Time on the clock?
7:19
